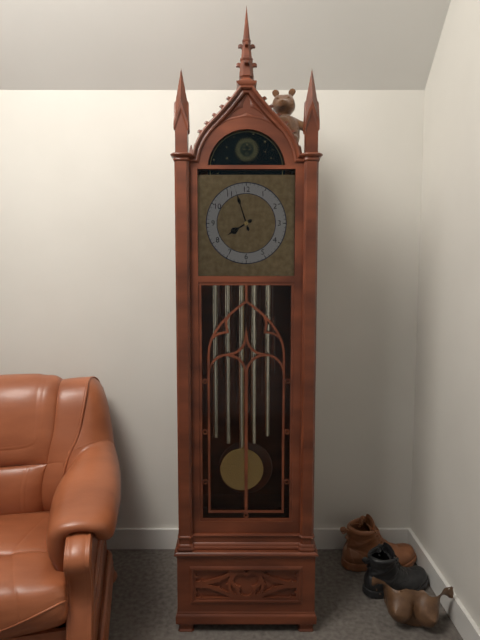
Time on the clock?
7:57
